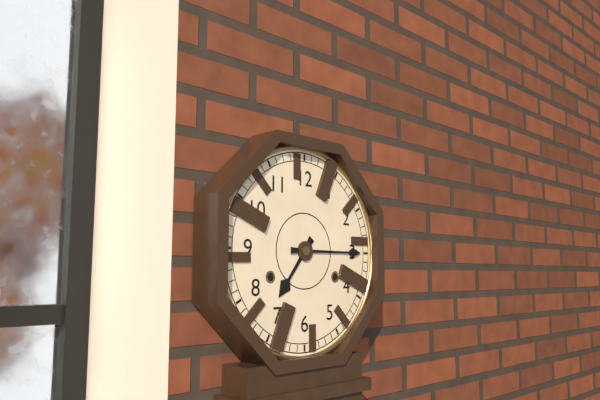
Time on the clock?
7:15
